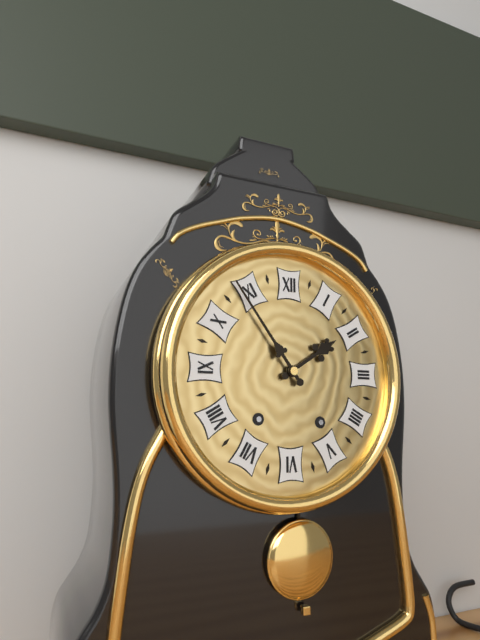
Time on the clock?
1:54
